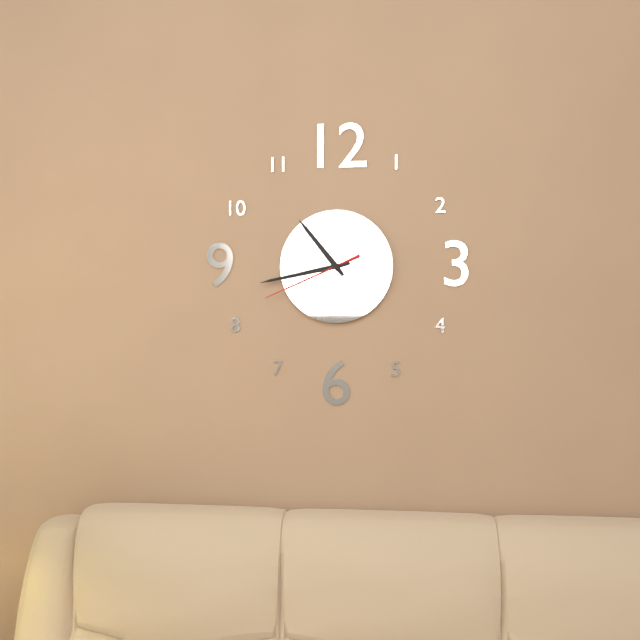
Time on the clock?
10:43:41
